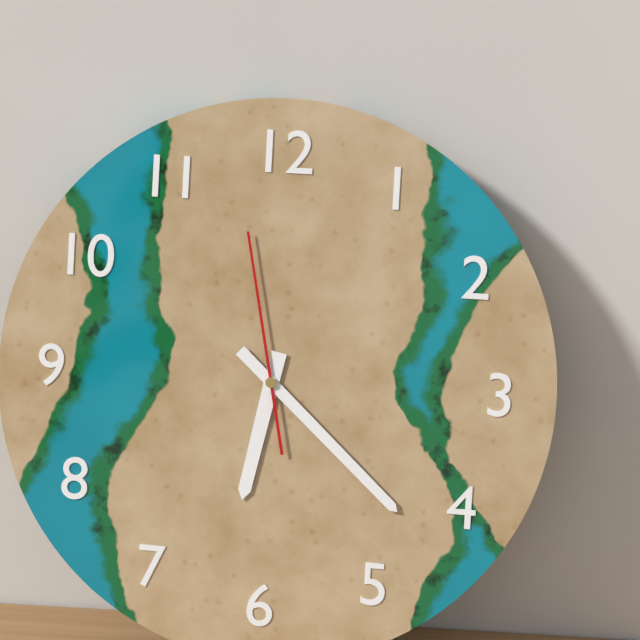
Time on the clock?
6:22:58
